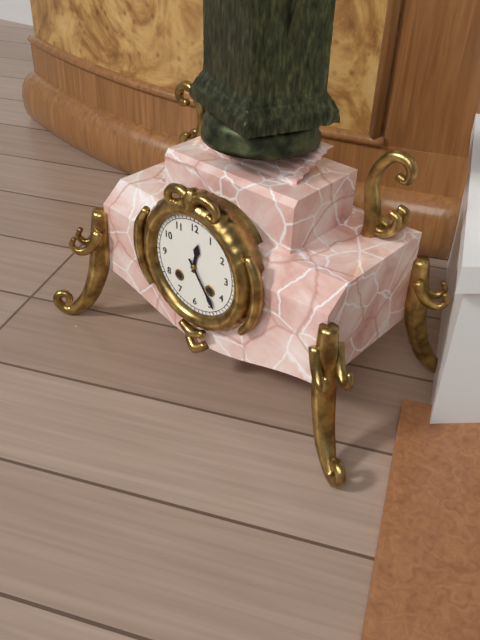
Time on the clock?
12:24
